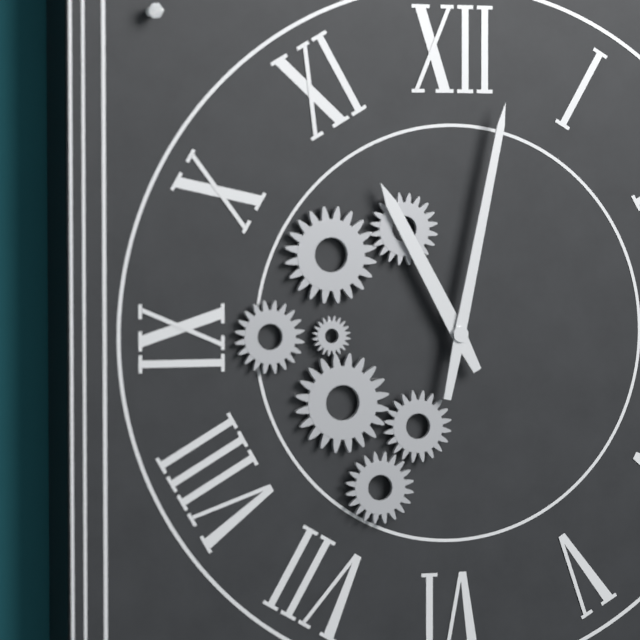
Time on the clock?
11:02
